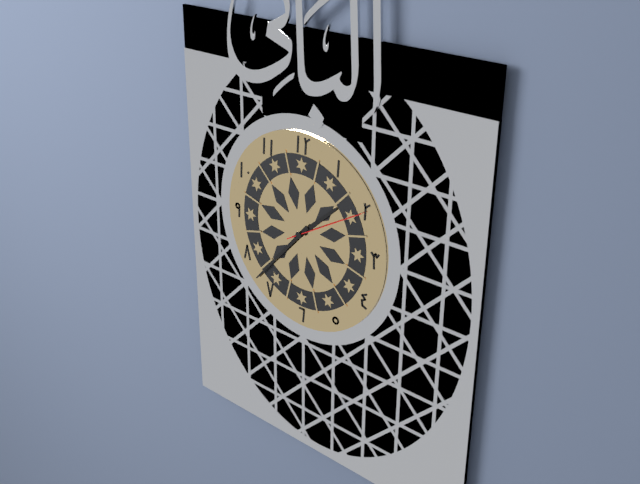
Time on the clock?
1:37:10
